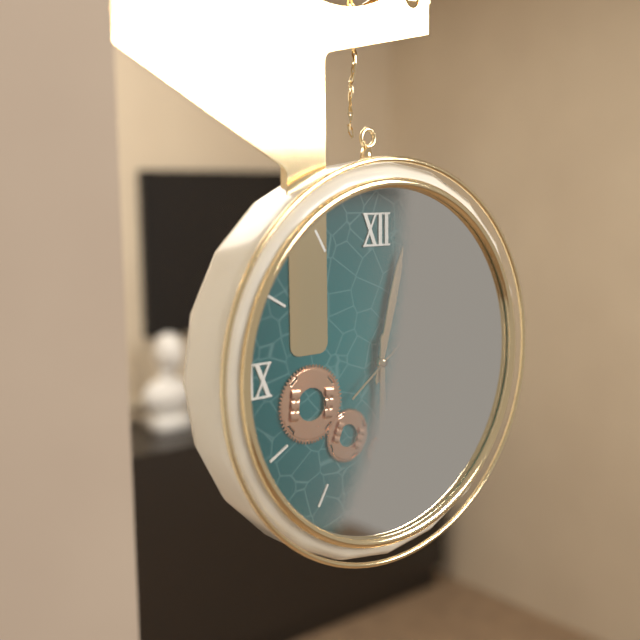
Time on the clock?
12:30:09
